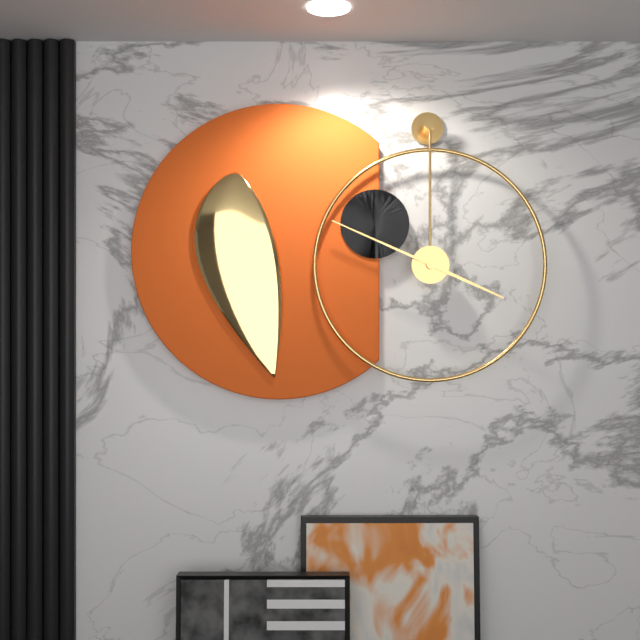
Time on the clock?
3:49
